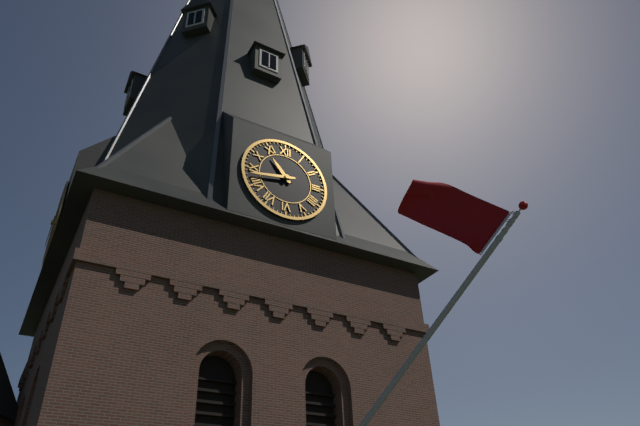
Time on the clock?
10:43
